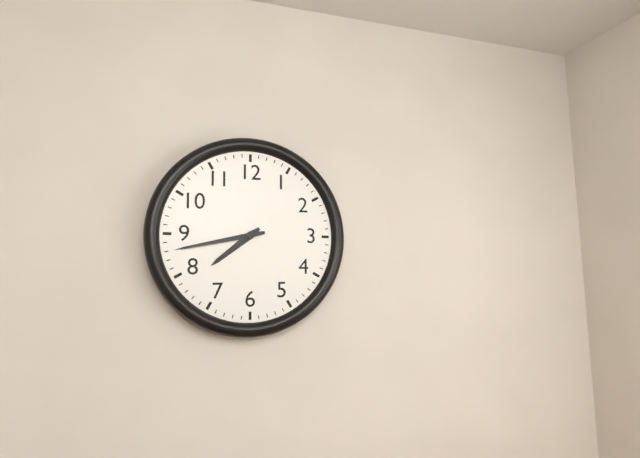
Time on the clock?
7:43
